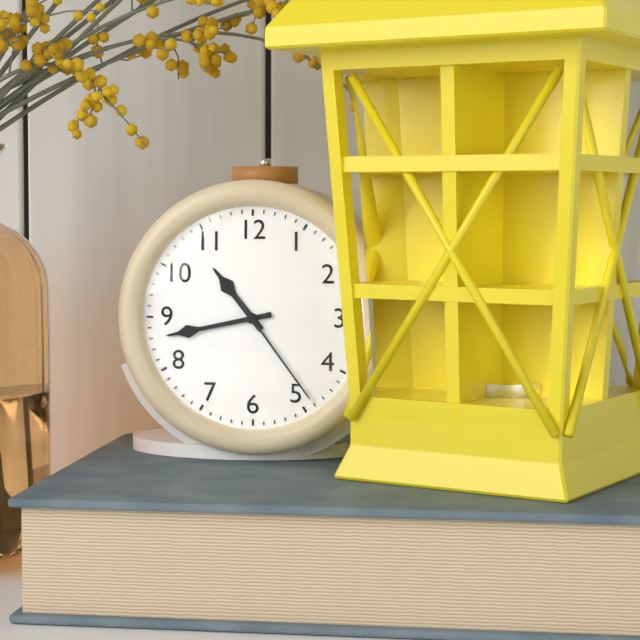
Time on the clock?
10:43:24
